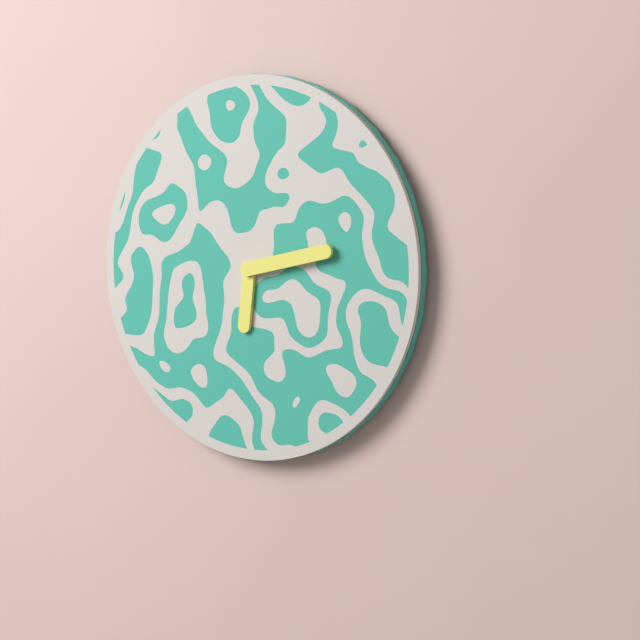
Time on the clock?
6:13
